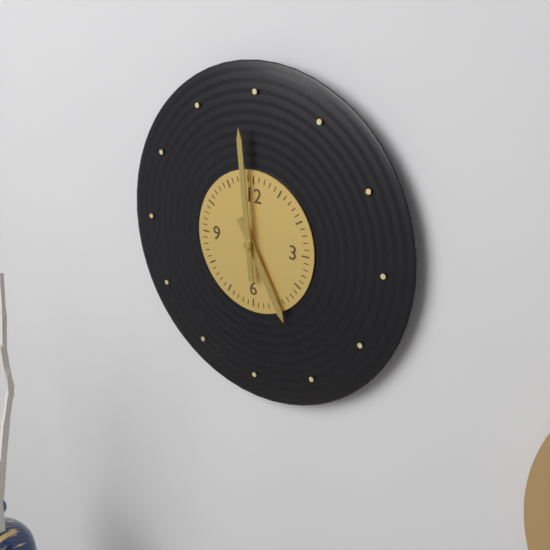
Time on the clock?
4:59
